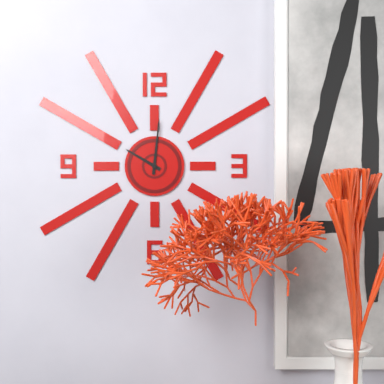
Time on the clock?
10:01
